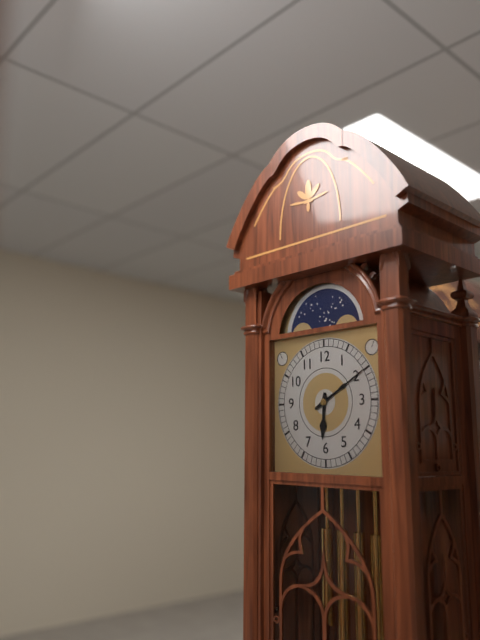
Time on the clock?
6:10
